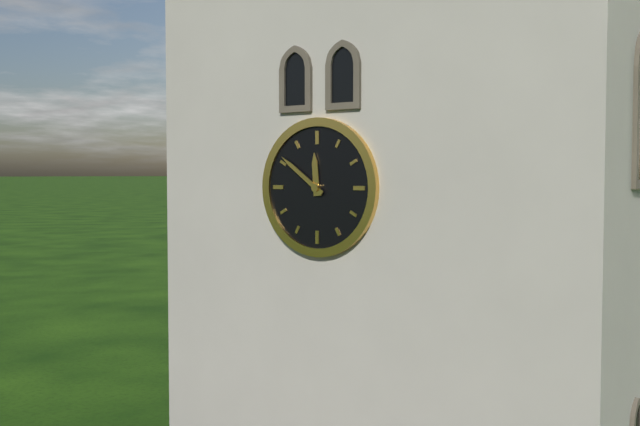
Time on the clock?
11:51
